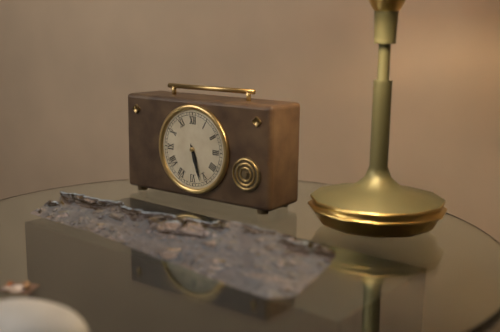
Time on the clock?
5:27
